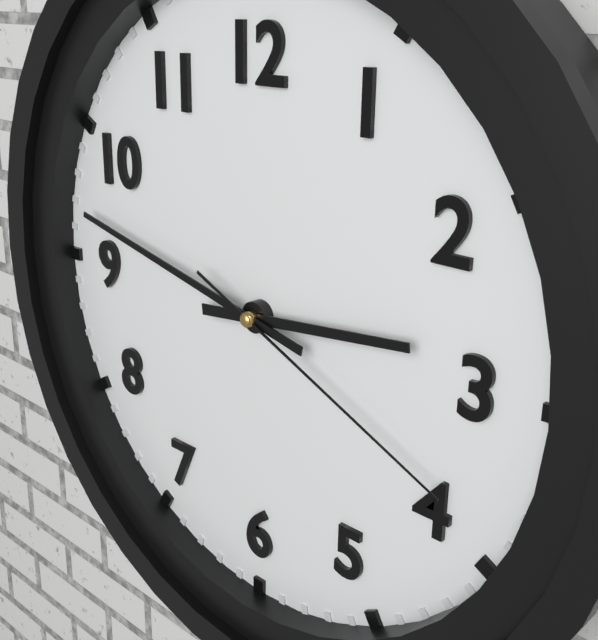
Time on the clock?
2:47:19
